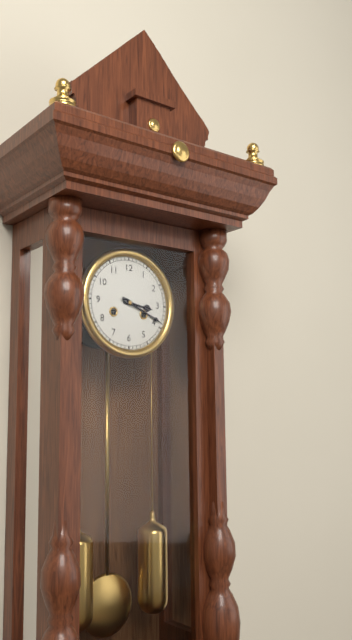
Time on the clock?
3:19
